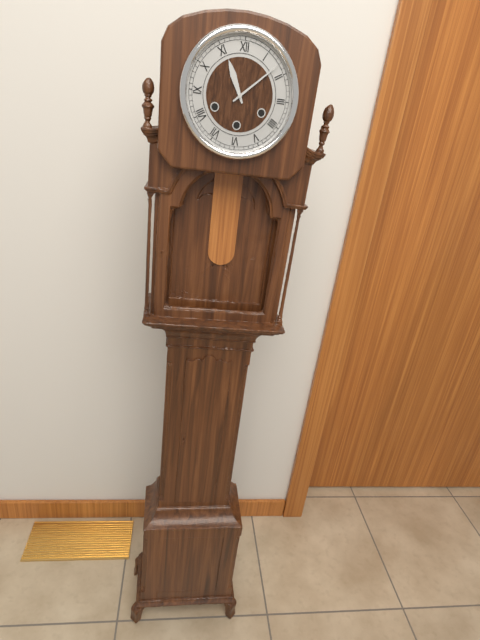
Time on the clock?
11:08
